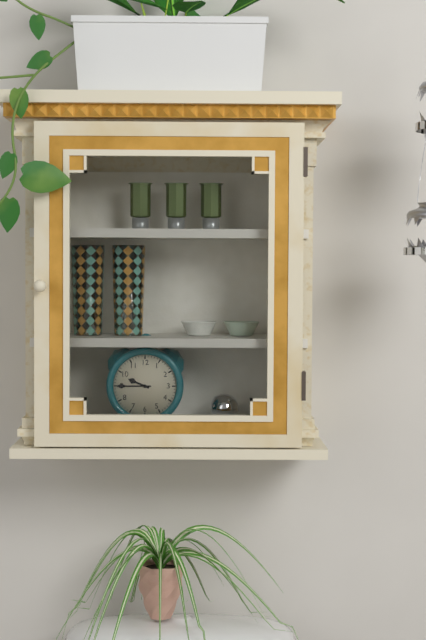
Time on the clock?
9:45
